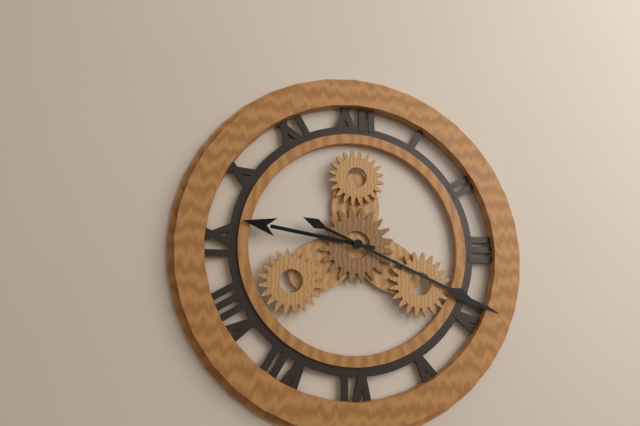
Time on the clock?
9:19
